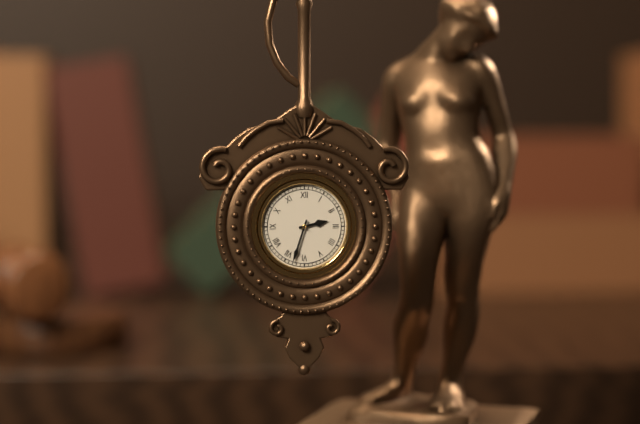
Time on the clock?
2:33
